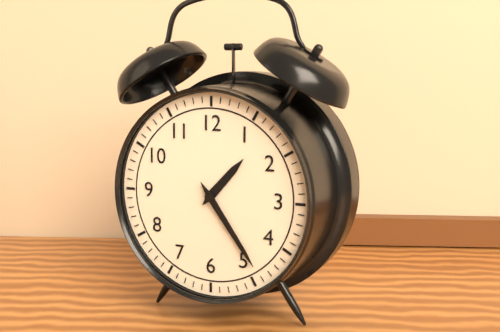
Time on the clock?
1:24
